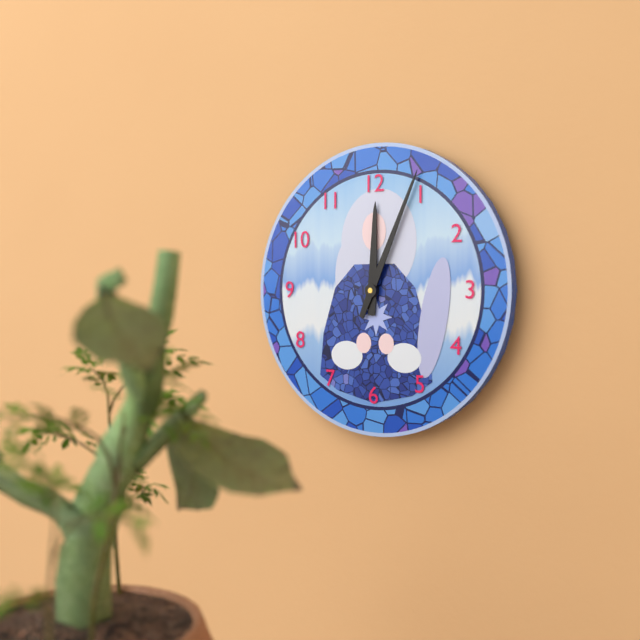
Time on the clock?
12:04
